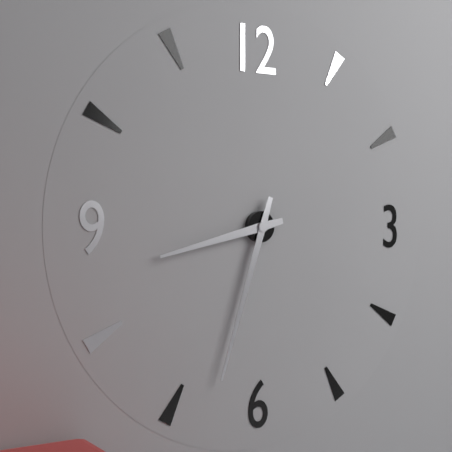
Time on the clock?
8:33
